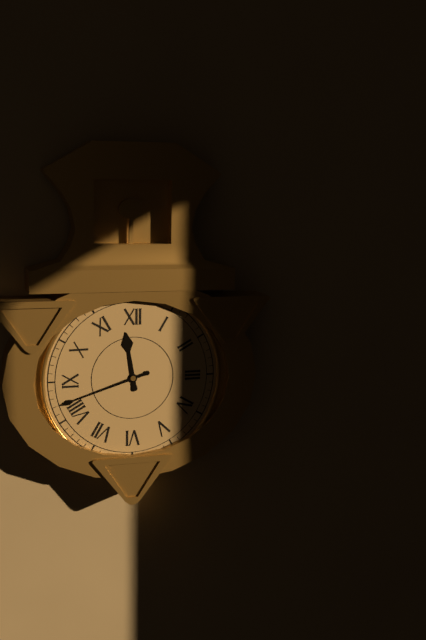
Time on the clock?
11:42
